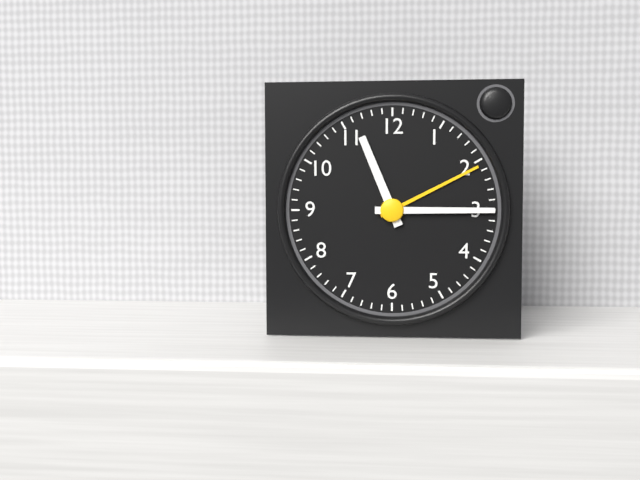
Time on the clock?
11:15
